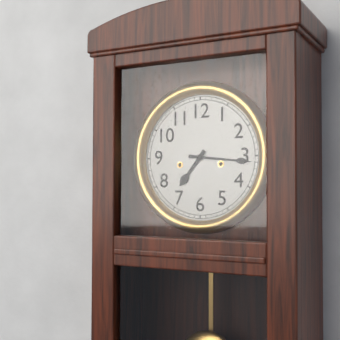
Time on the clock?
7:16
